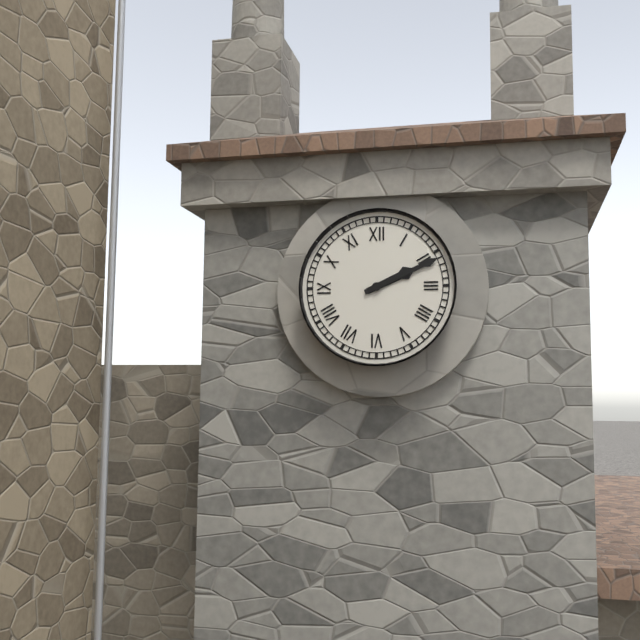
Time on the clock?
2:11
